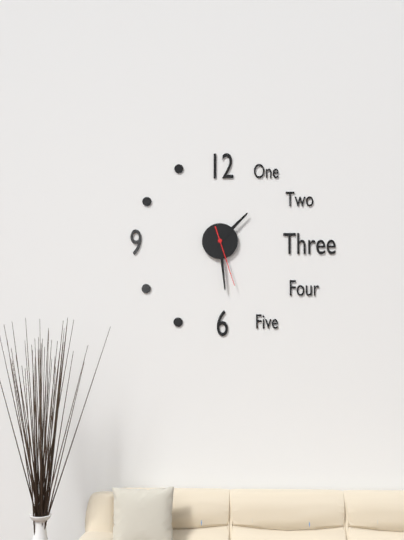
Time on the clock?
1:29:27
